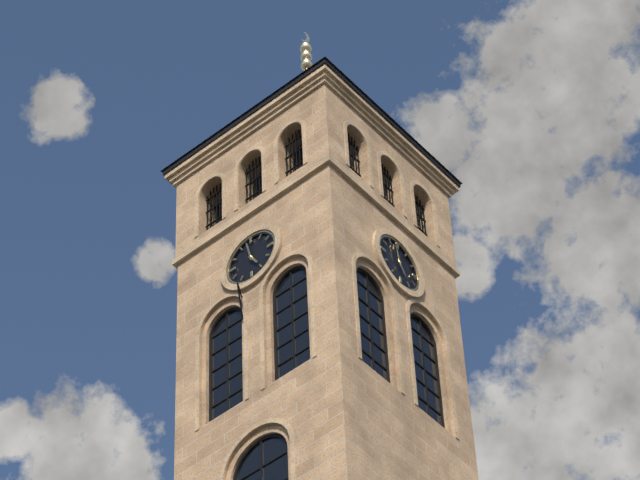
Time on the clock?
4:58
